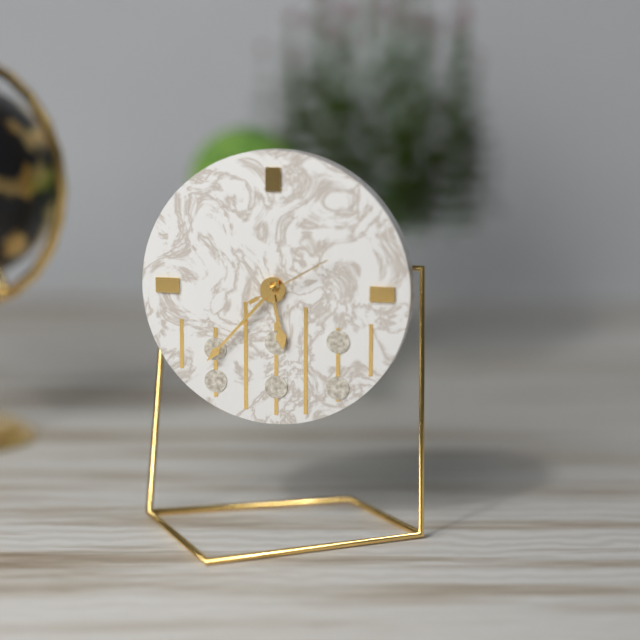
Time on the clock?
5:37:10
